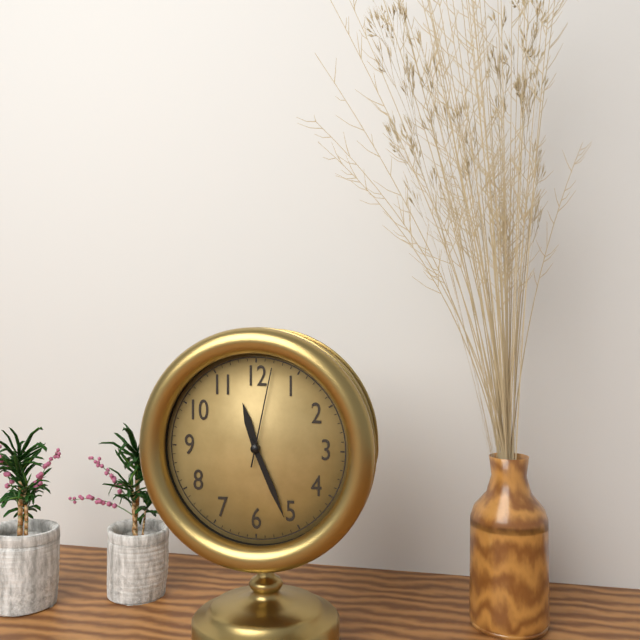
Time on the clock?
11:26:02
